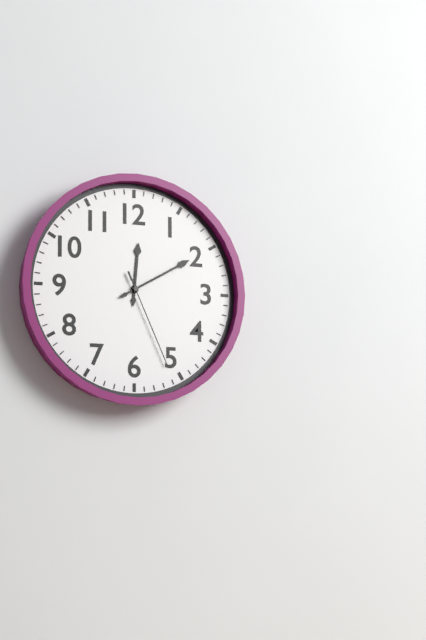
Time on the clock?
12:10:26
